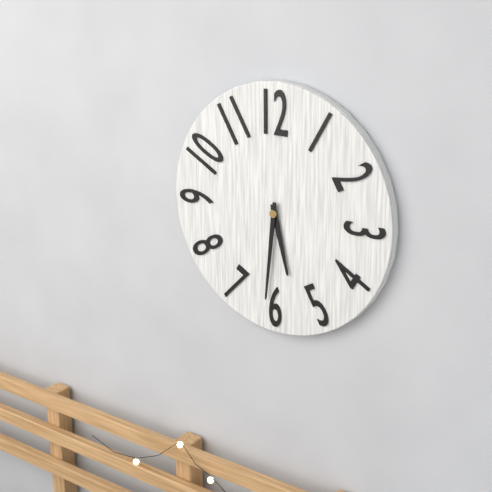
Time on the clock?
5:31
